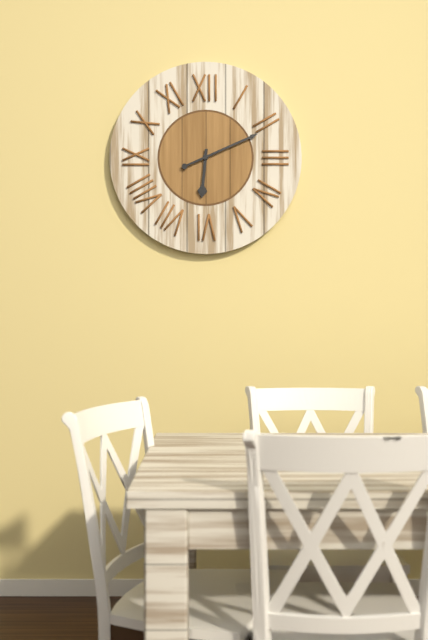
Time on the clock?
6:11
